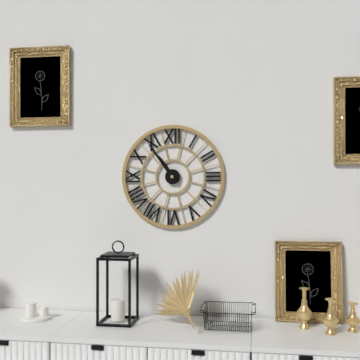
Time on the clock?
10:54
